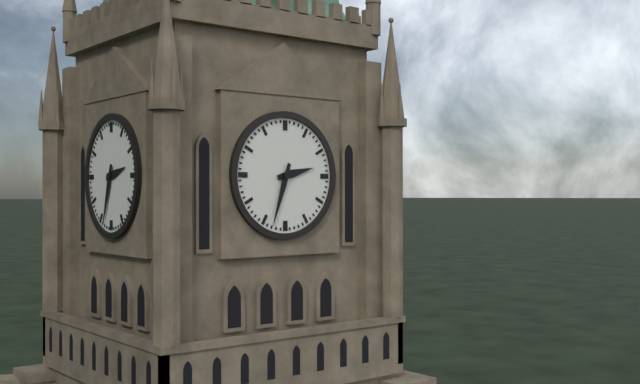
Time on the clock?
2:33
